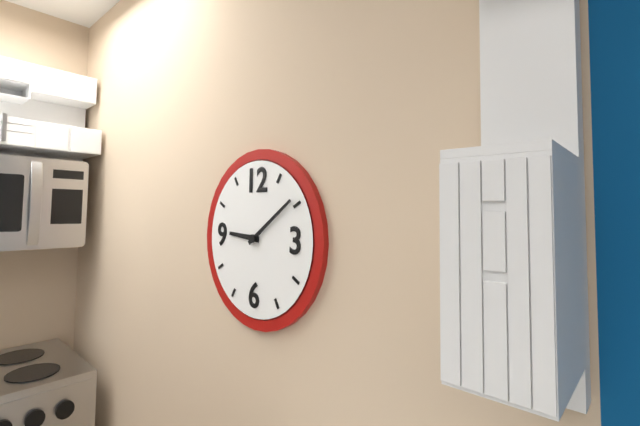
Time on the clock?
9:09
